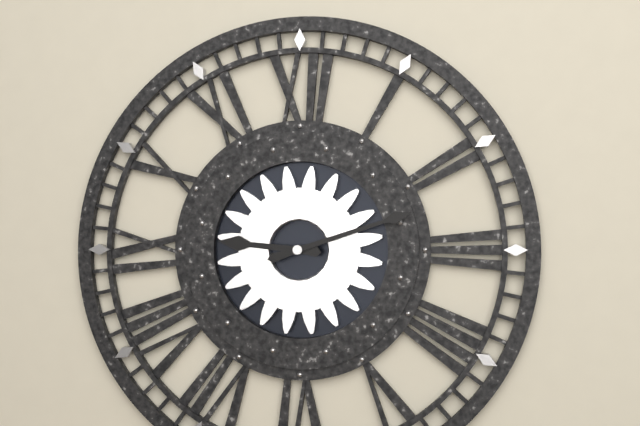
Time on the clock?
9:12
